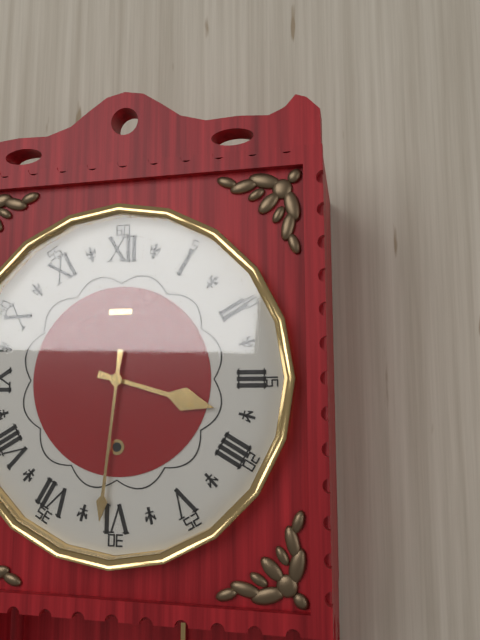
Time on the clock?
3:31
